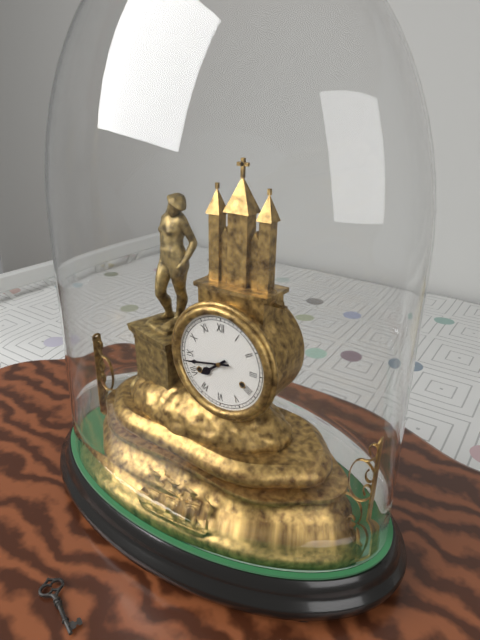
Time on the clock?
7:43
